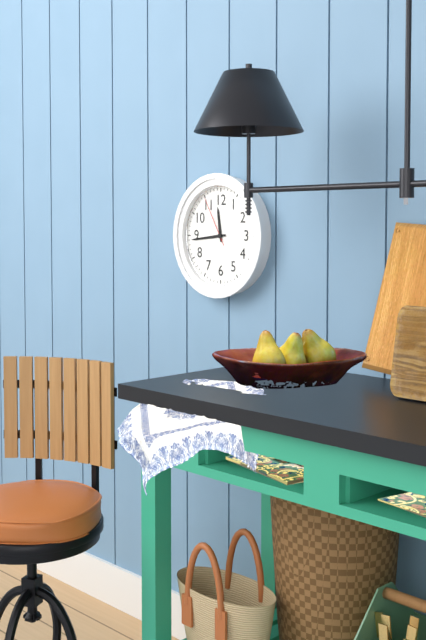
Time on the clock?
11:44:55
